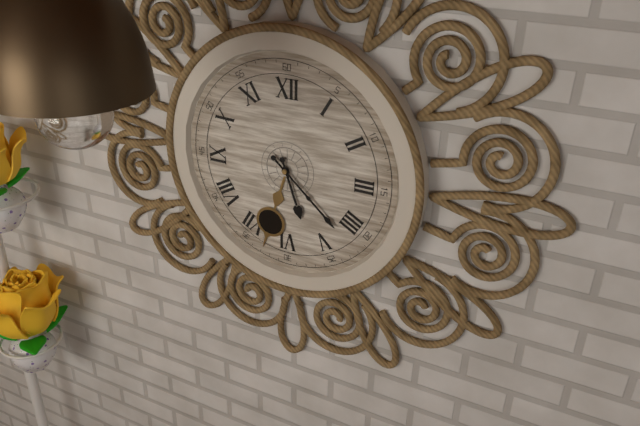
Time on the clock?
5:22
